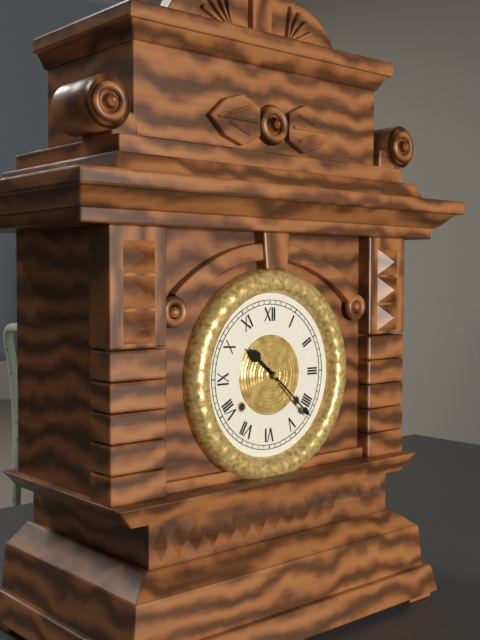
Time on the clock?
10:22
